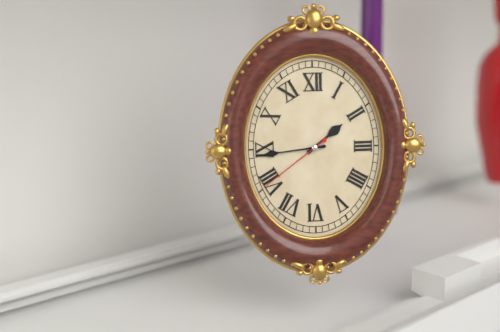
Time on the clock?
1:44:39
